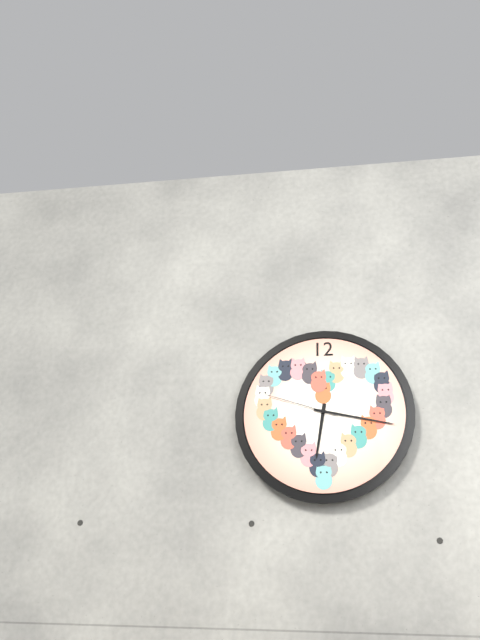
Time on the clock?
6:17:48
